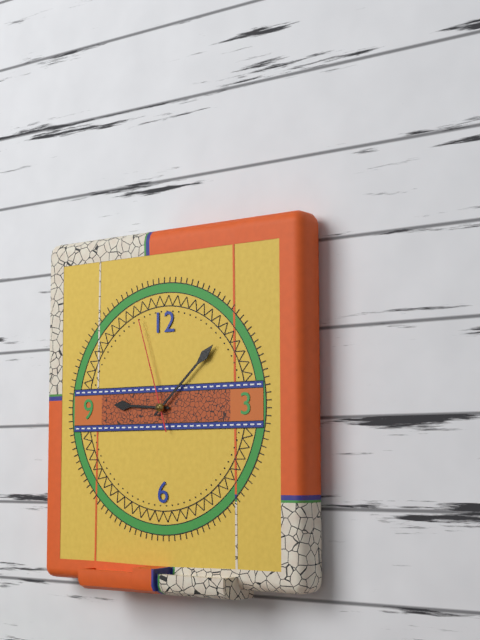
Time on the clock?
9:08:57
